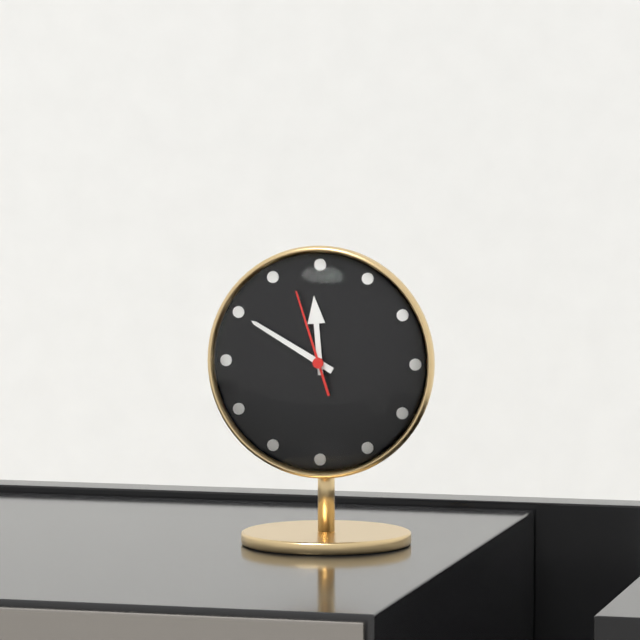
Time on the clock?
11:50:57
